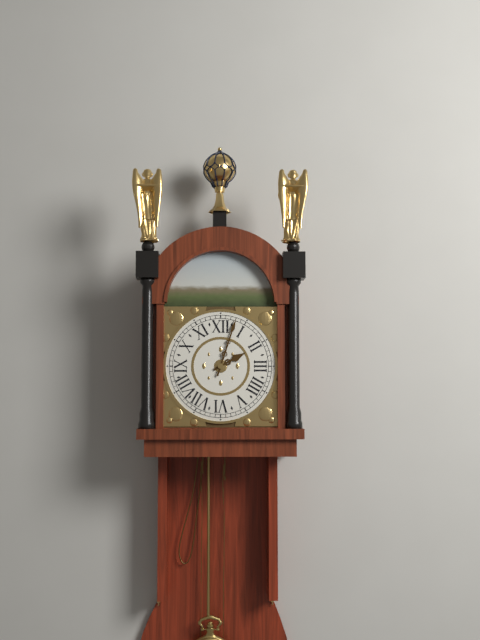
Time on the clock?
2:03
